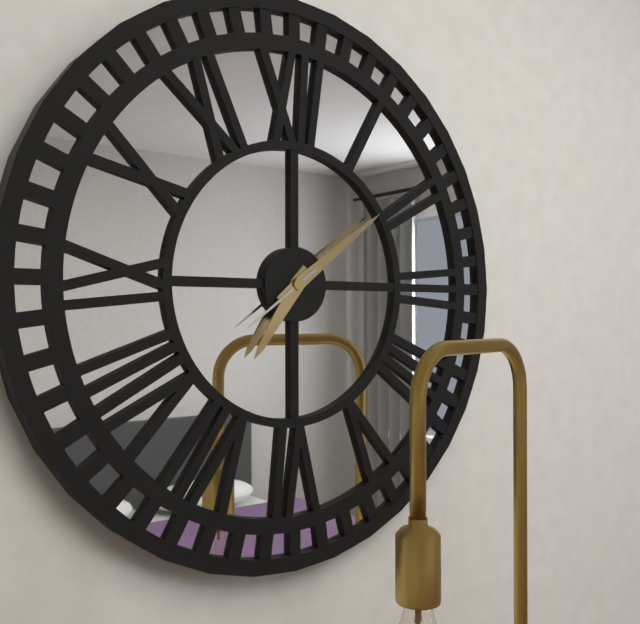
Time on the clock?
7:09:39
